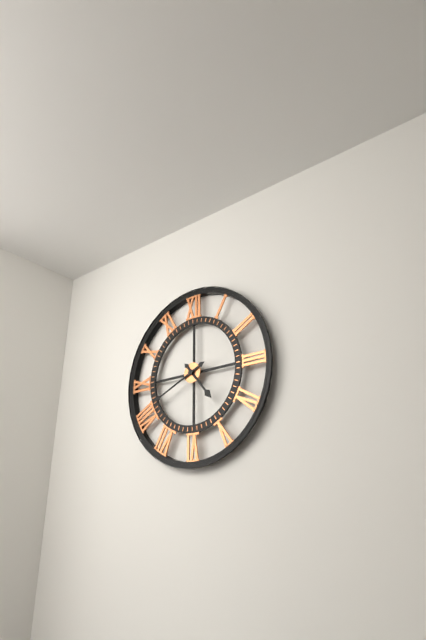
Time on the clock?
4:41
